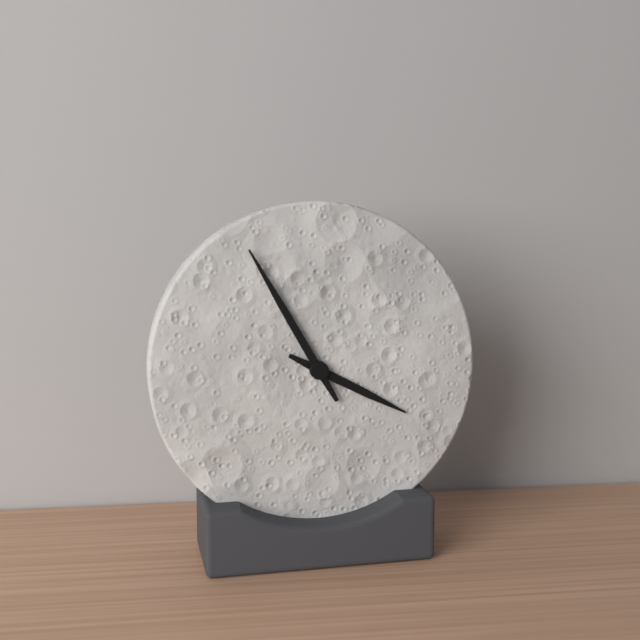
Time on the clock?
3:55
